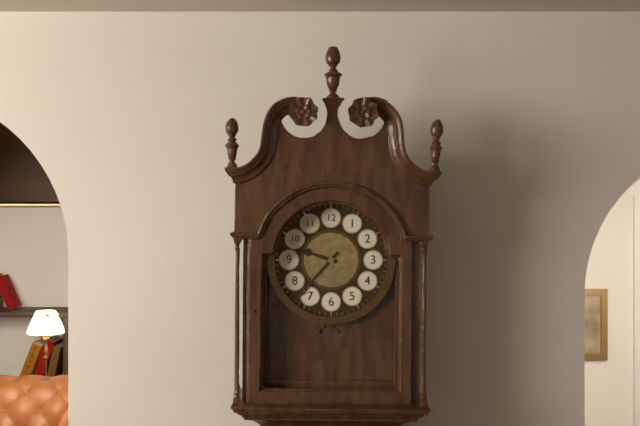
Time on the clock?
9:37
